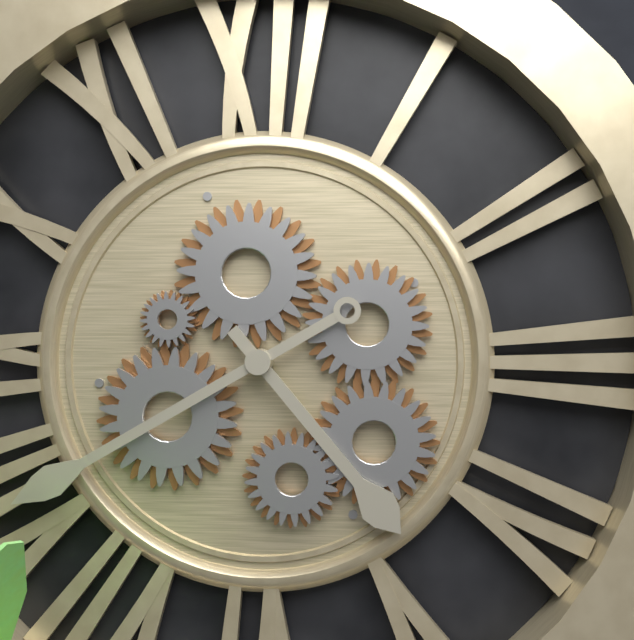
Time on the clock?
4:40
